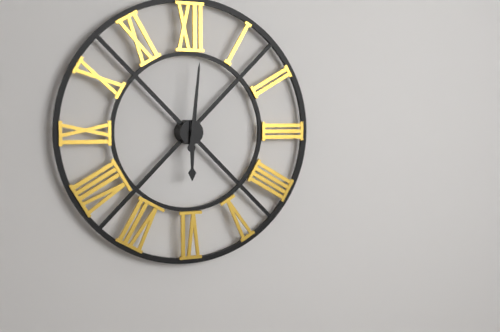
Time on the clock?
6:01
